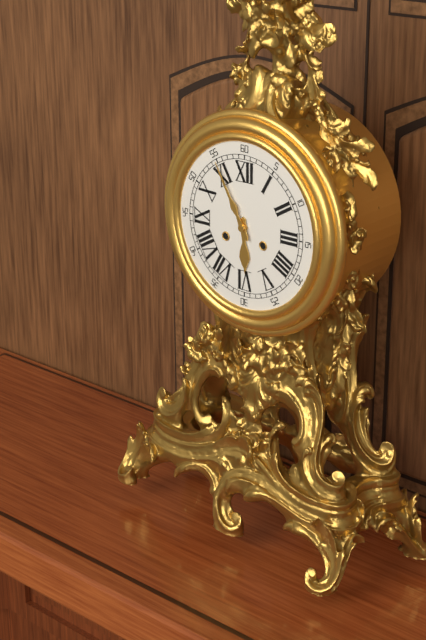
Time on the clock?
5:55
